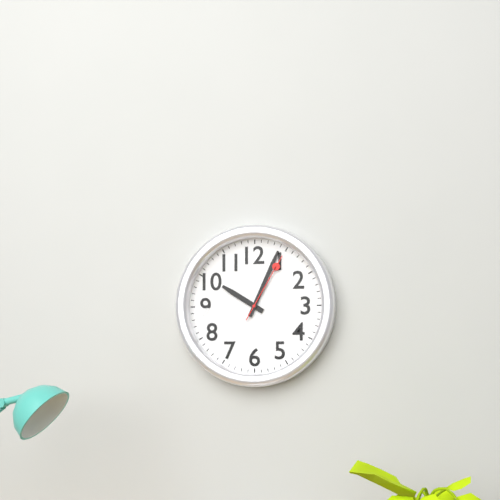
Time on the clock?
10:04:05
